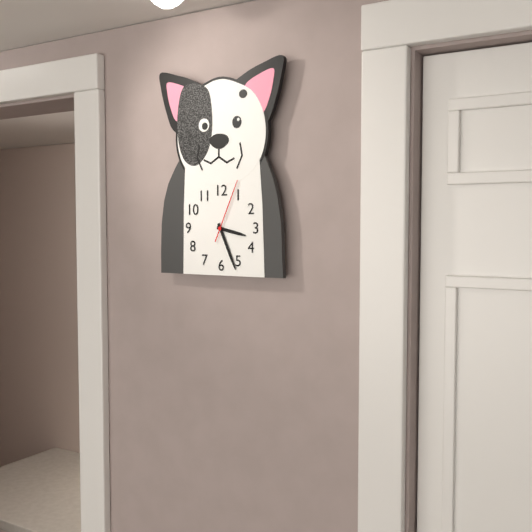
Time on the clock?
3:26:04
